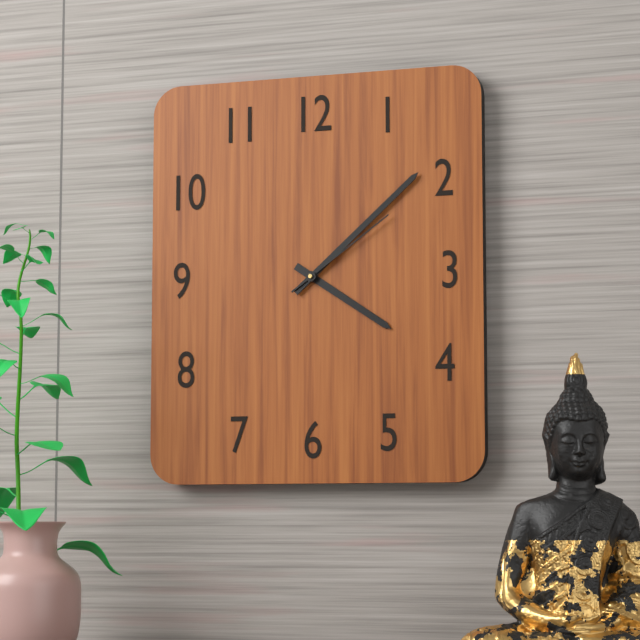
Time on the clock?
4:08:09
